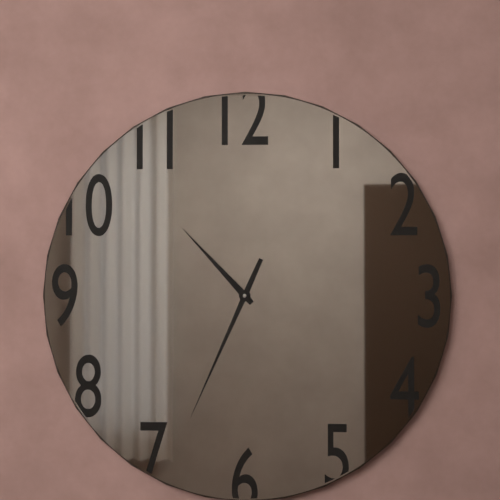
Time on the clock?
10:34
